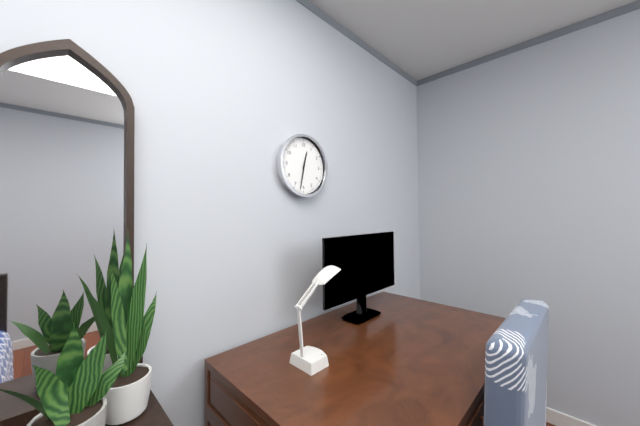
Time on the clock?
12:32
